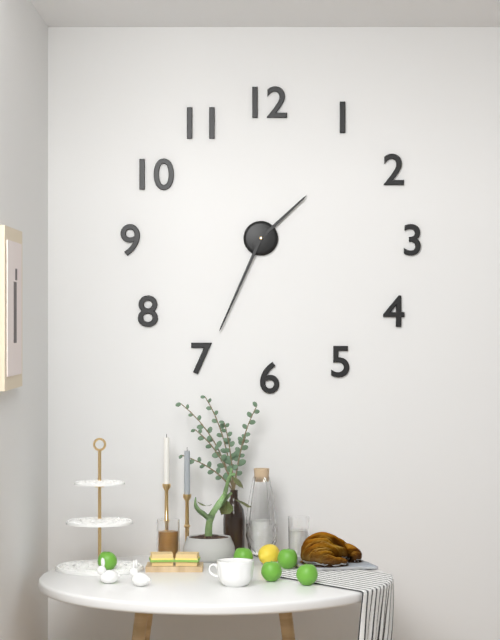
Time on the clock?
1:34
